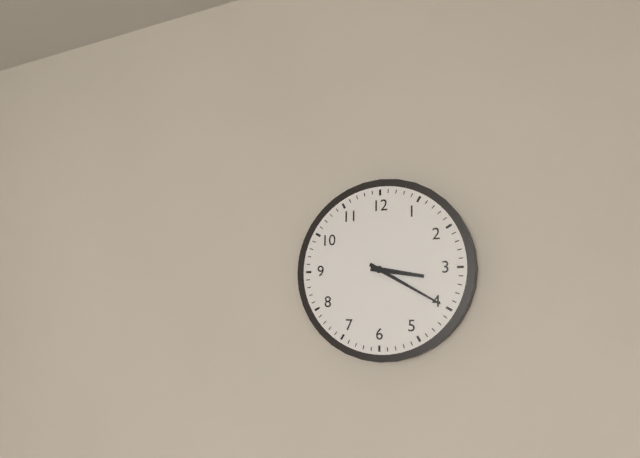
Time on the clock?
3:20
